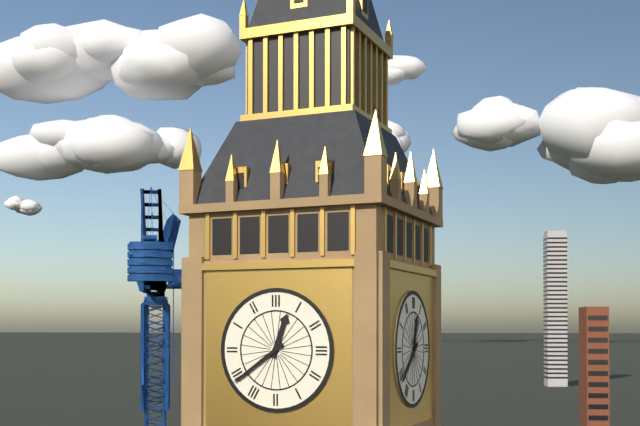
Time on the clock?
12:39
